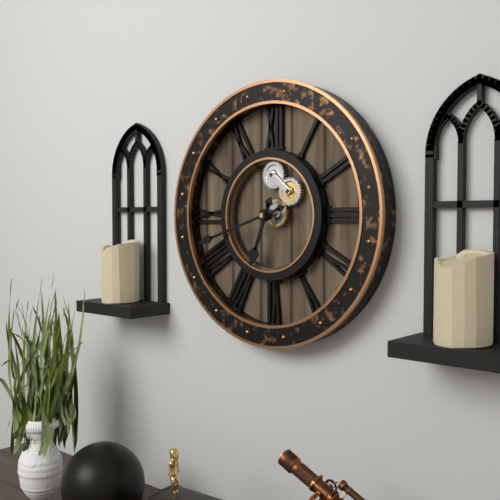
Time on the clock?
6:42
